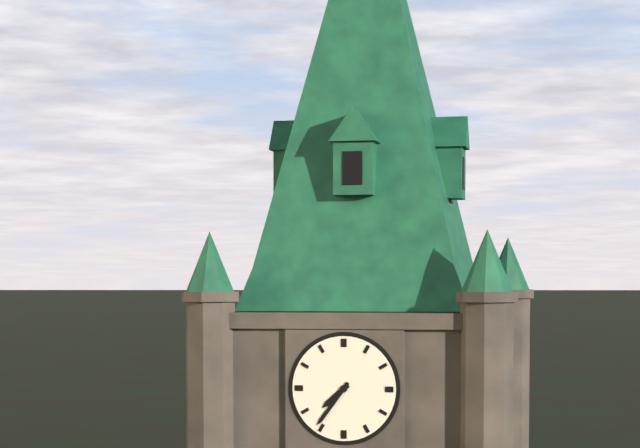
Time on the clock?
7:36
